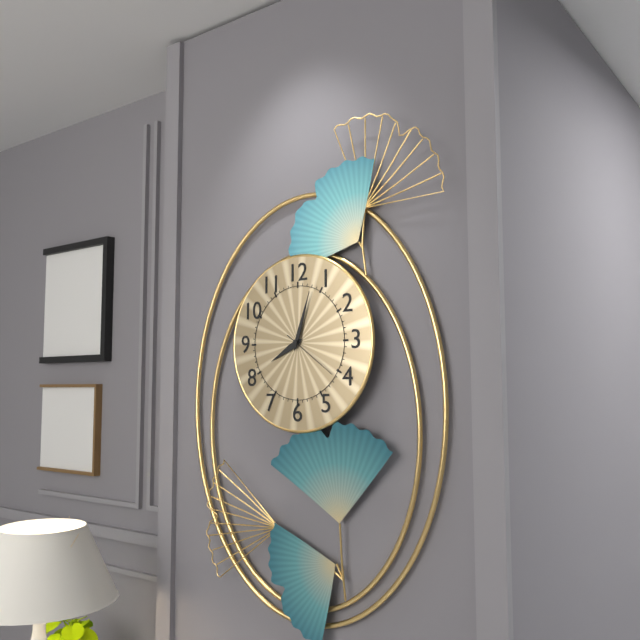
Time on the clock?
8:03:21
